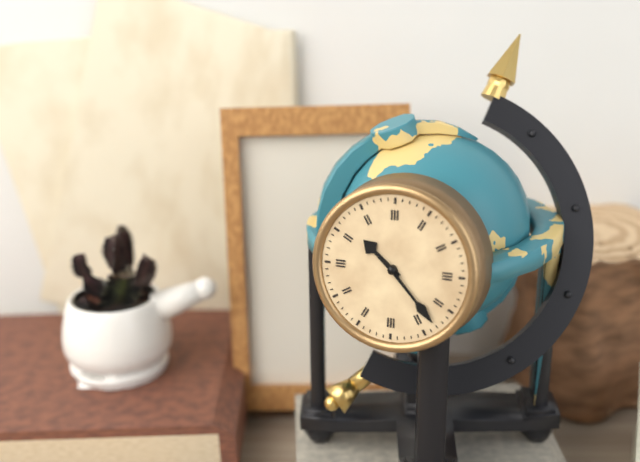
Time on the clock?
10:23
